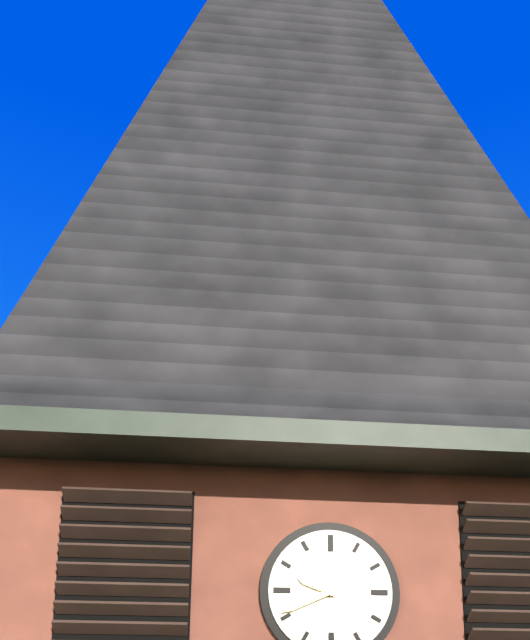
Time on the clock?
9:41
